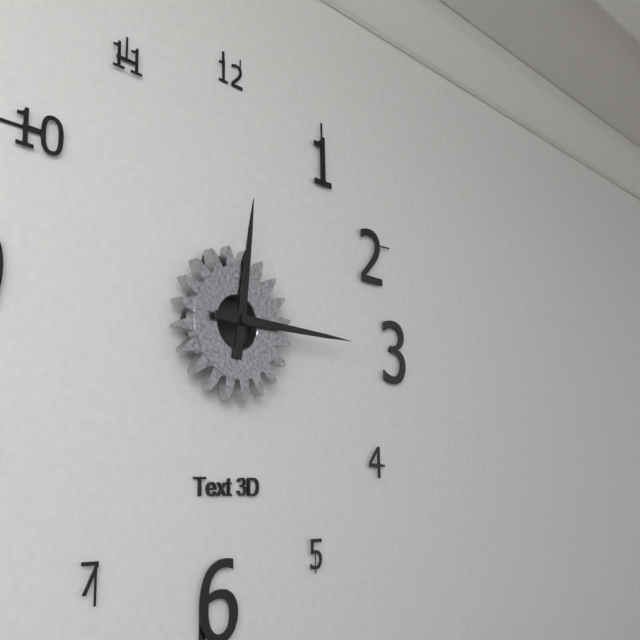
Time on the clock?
12:15
